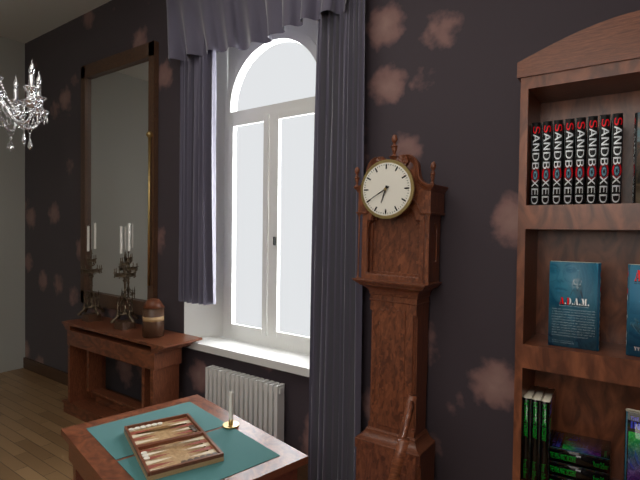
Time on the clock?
6:40
